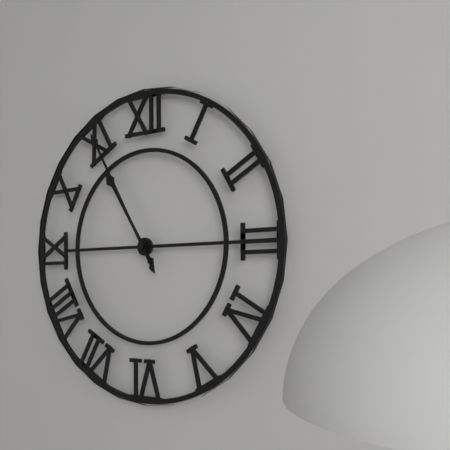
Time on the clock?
10:55
